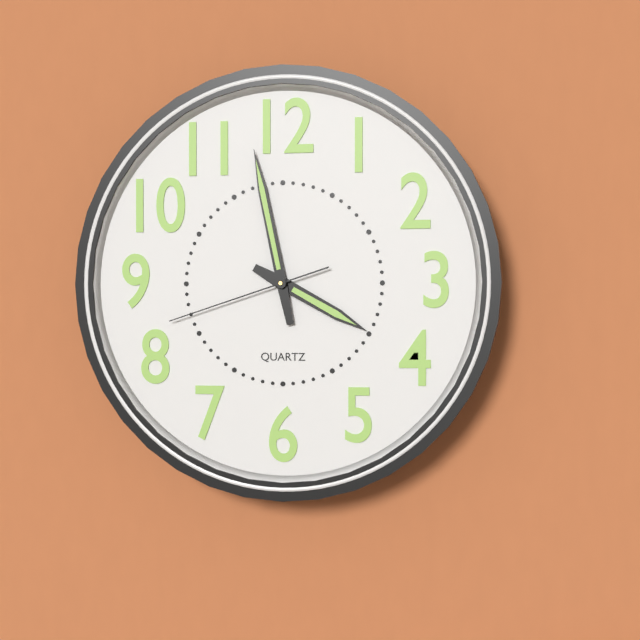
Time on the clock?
3:58:42
